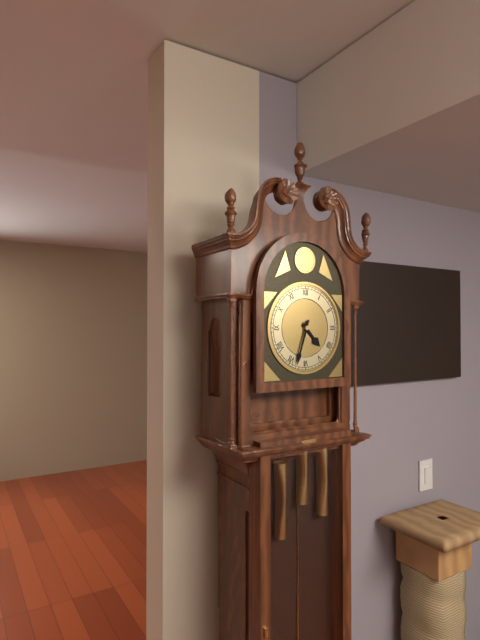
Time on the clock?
4:33
